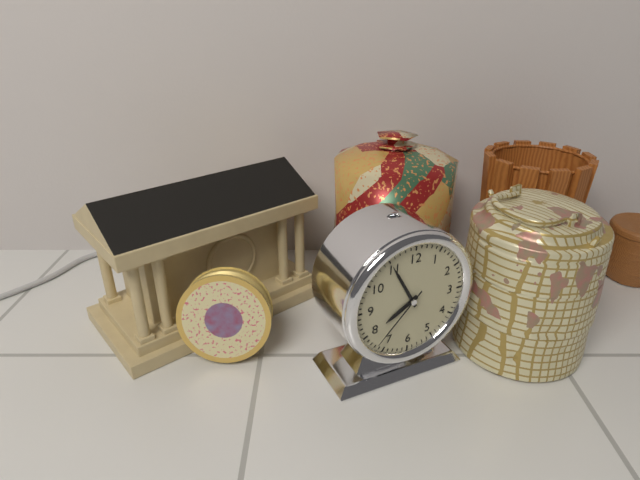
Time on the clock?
7:55:37
